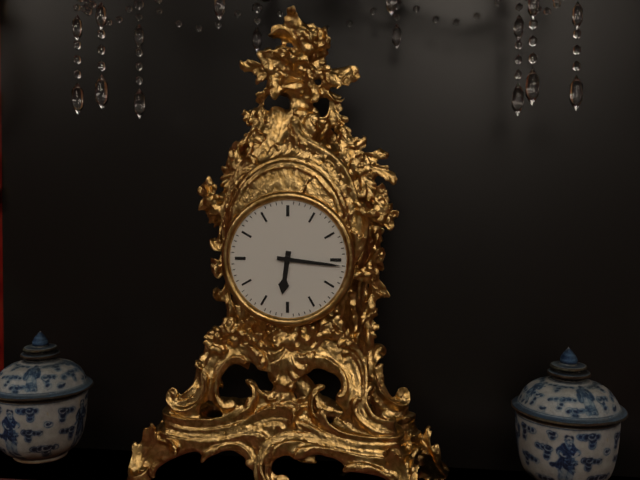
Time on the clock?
6:16
